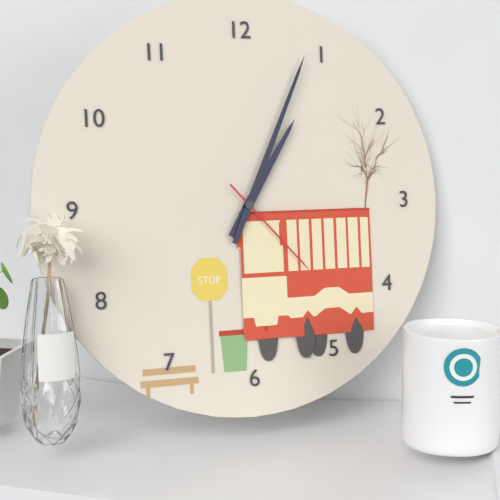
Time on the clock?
1:04:23
